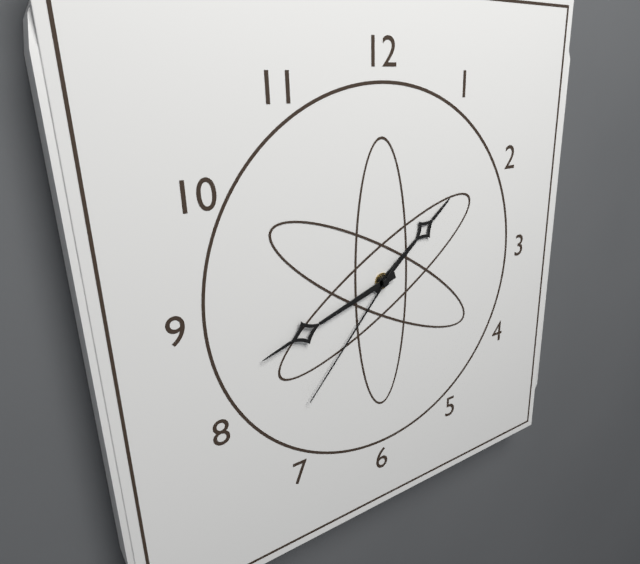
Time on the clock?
1:42:37
